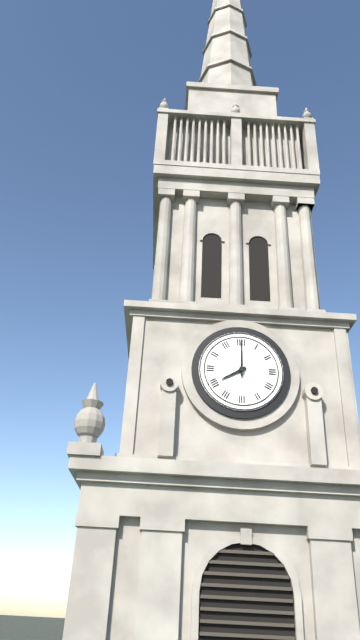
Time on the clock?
8:00
